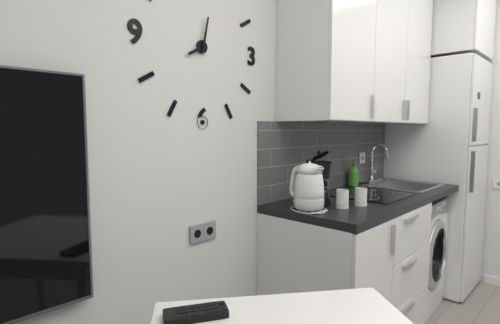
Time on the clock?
8:02
